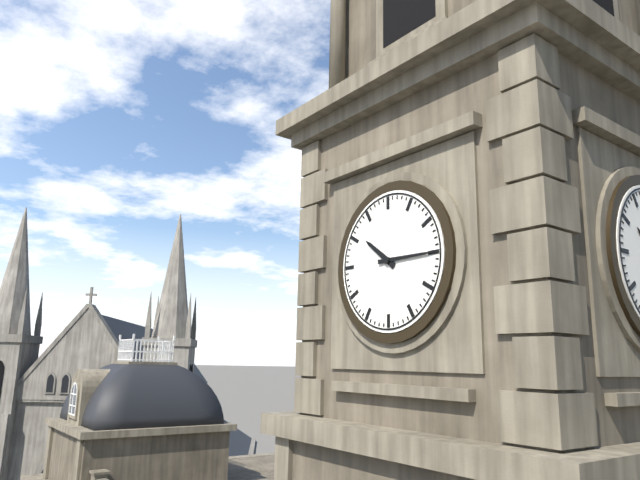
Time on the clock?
10:15
